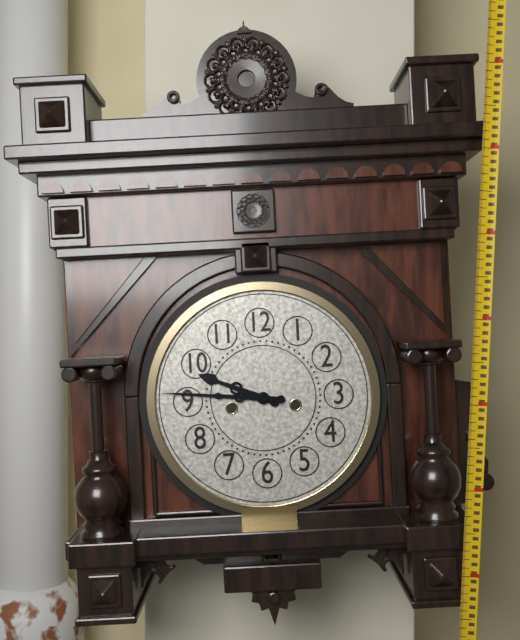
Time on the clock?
9:46
